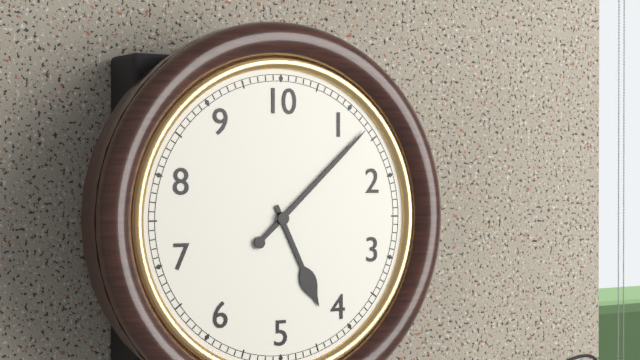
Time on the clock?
5:08
